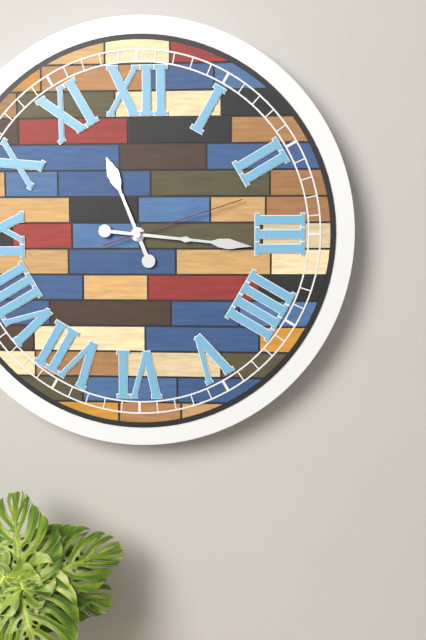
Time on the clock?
11:16:12
